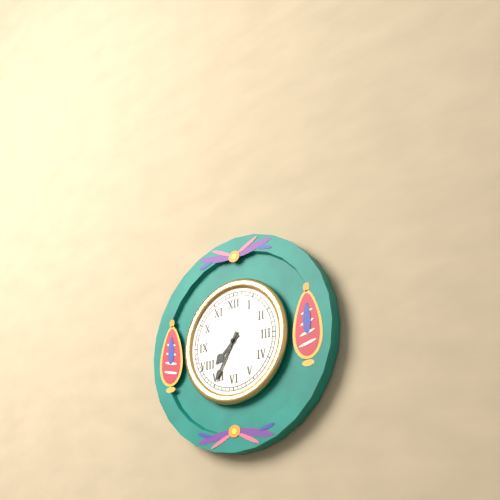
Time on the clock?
7:35
